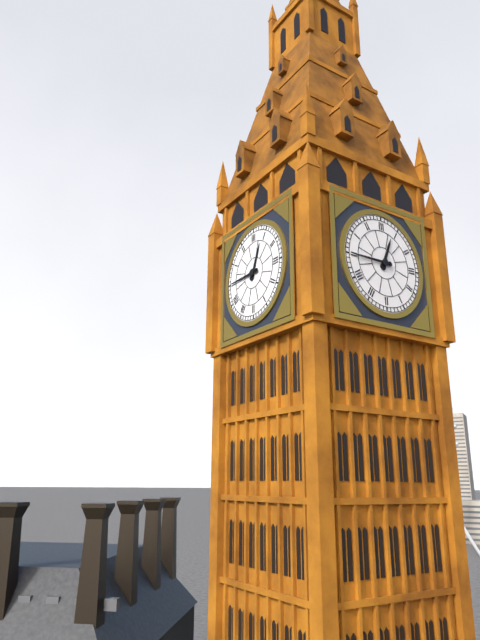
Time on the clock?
12:45
